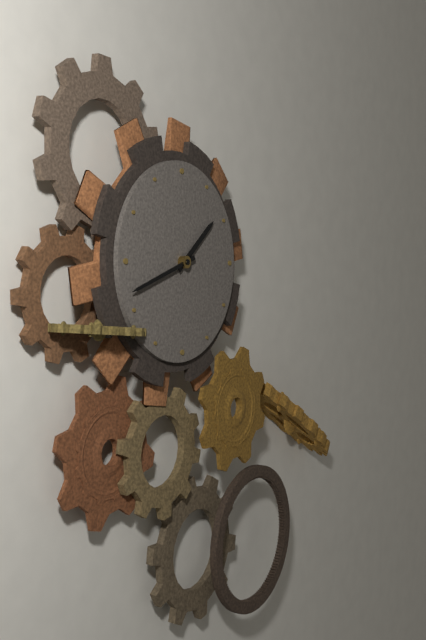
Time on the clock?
1:42
